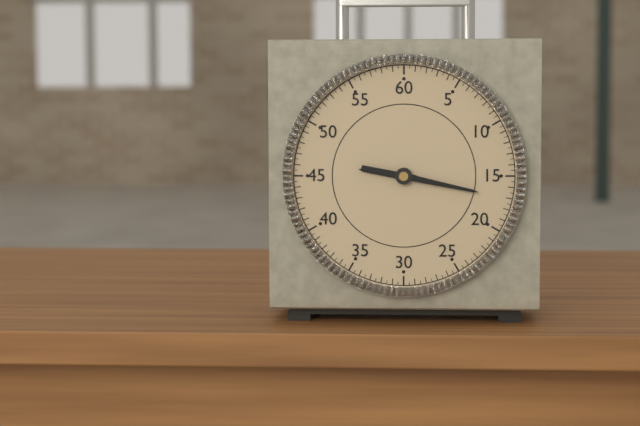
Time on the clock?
9:17
